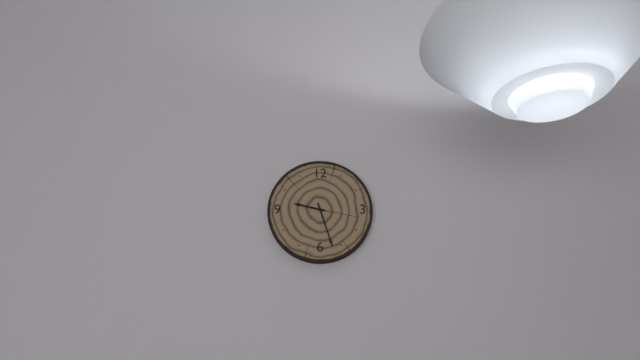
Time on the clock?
9:27
